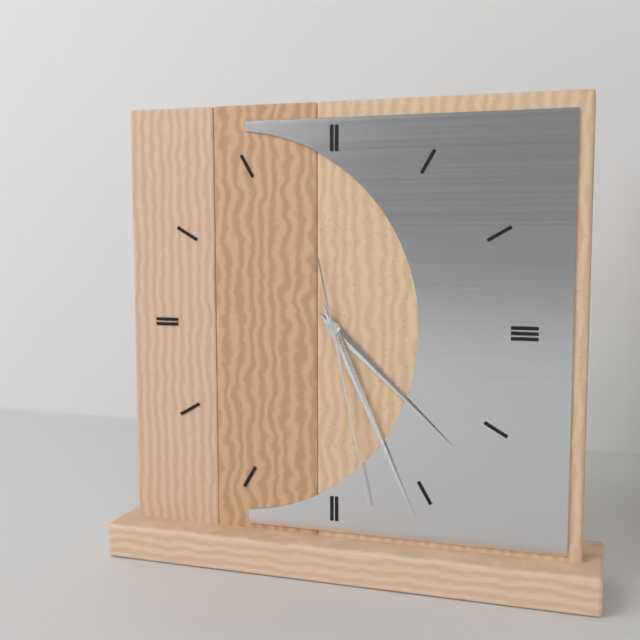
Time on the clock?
4:26:28
